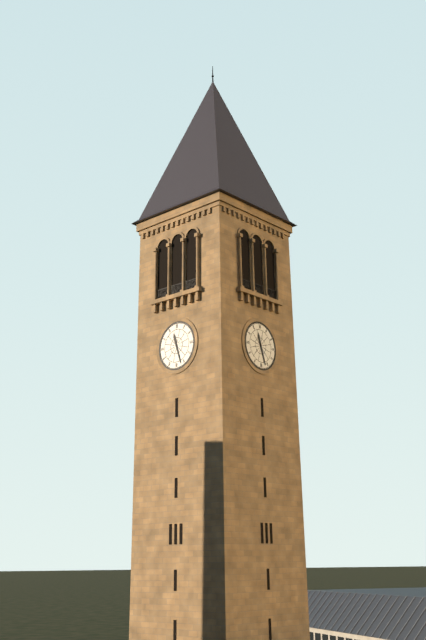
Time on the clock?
11:27
